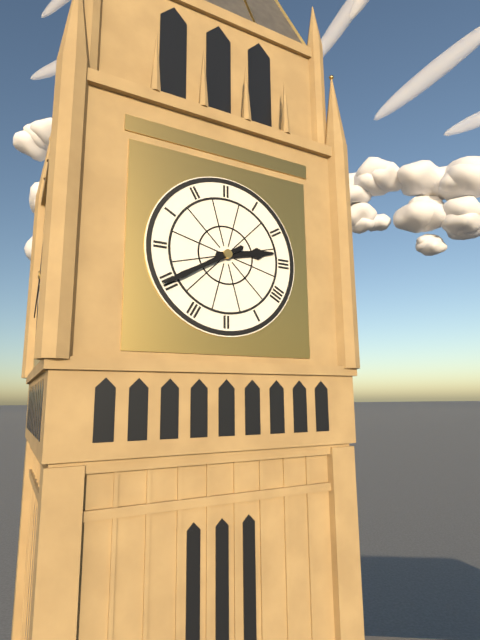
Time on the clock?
2:40
